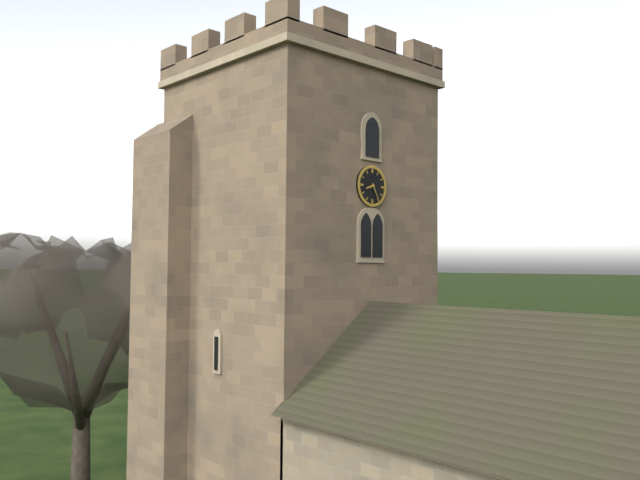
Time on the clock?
8:25
